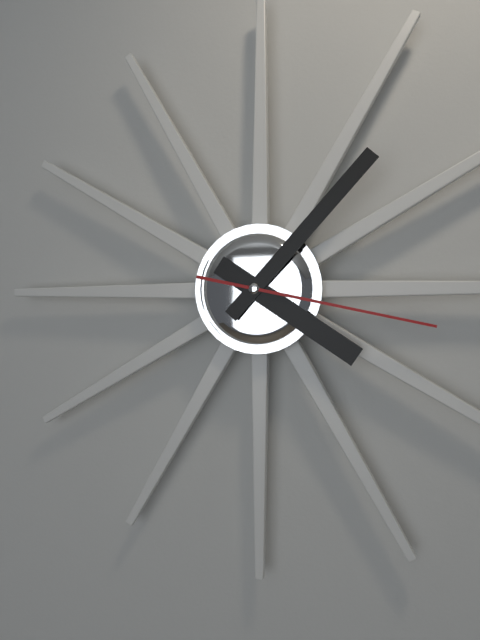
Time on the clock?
4:07:17
